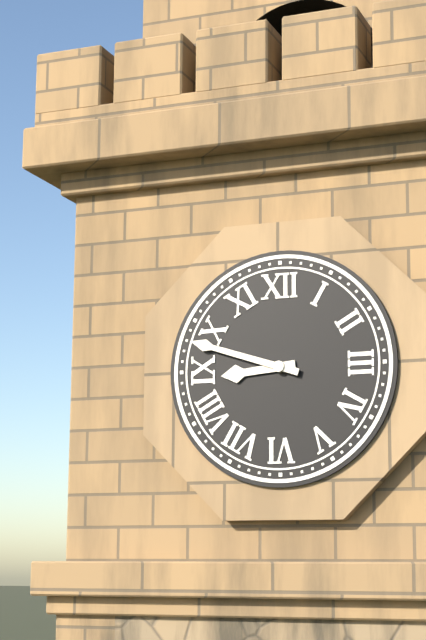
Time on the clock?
8:48
